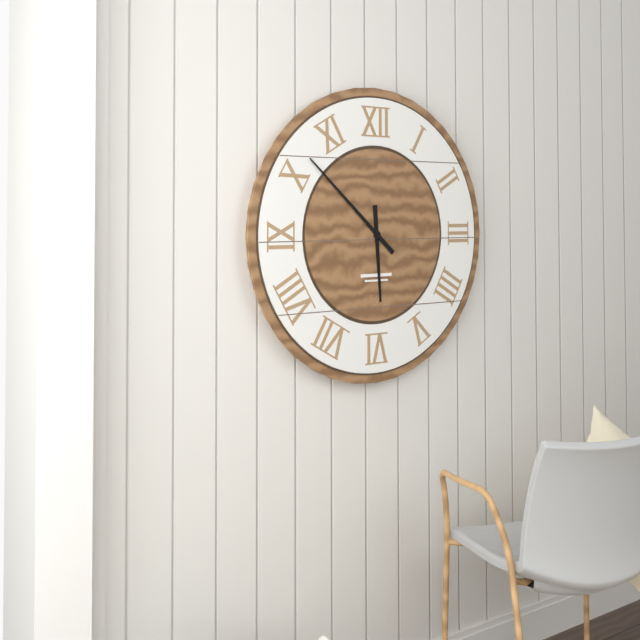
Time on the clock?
5:52
